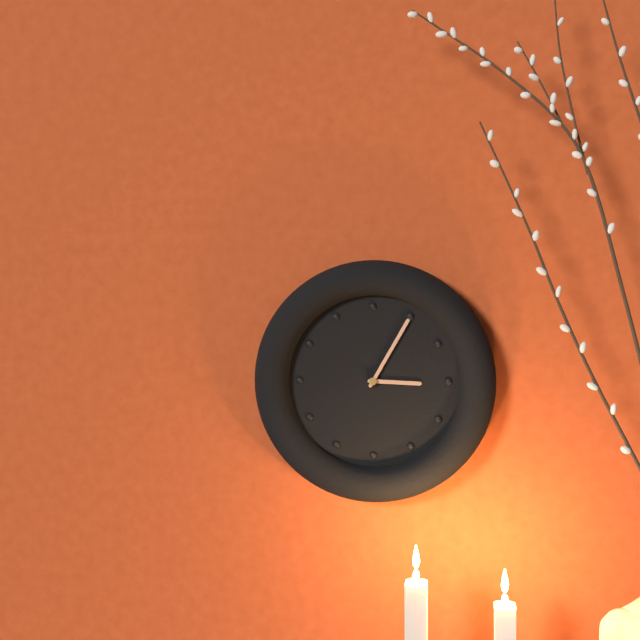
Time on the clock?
3:05
